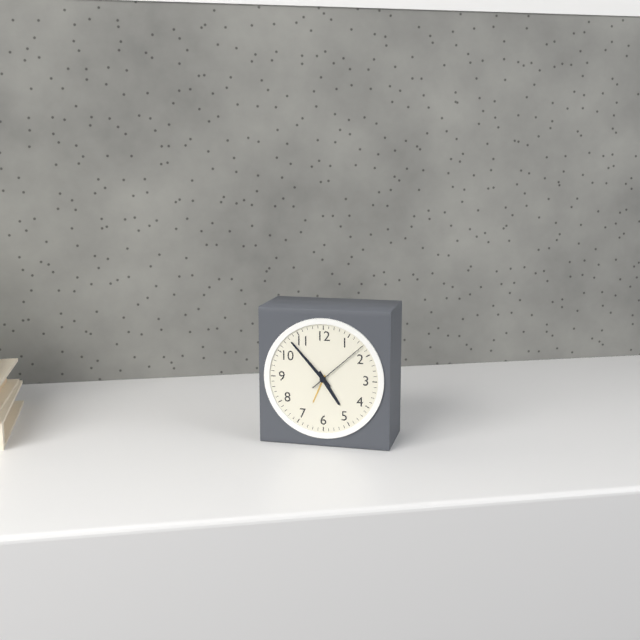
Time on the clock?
4:53:08
